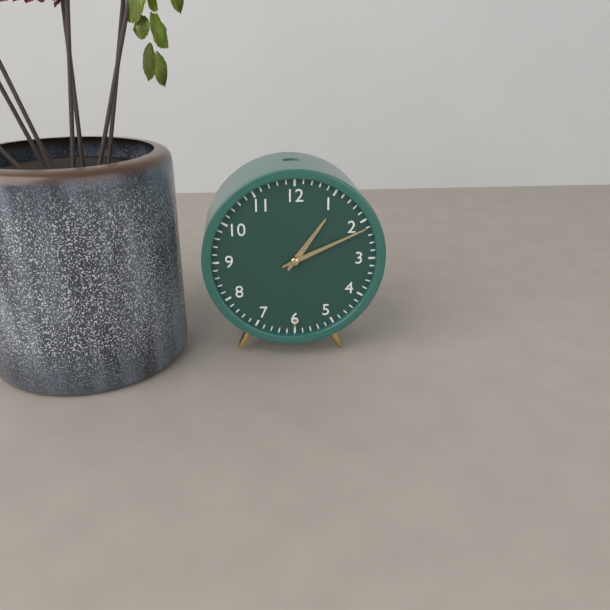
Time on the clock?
1:11
